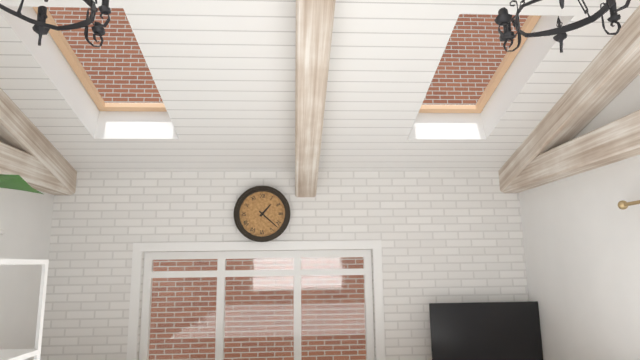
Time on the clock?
1:22
